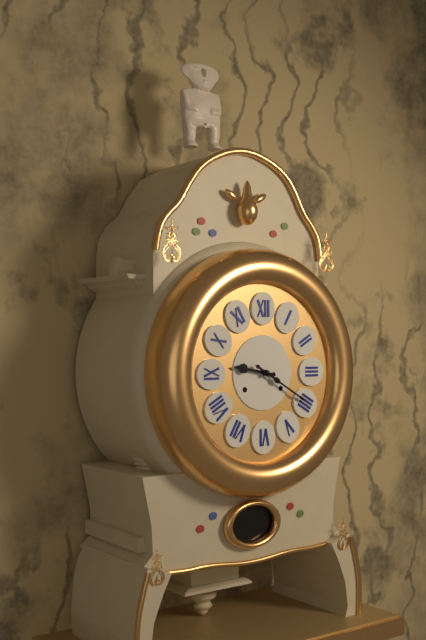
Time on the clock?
9:20
